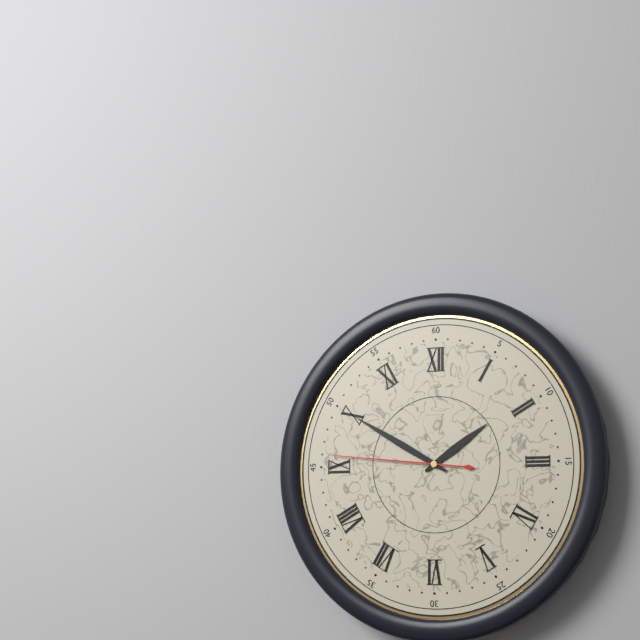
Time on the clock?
1:50:46
